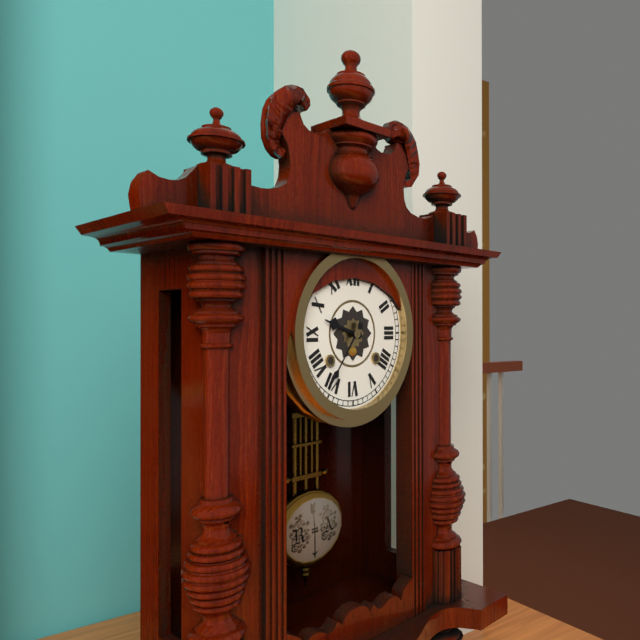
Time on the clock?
9:36
